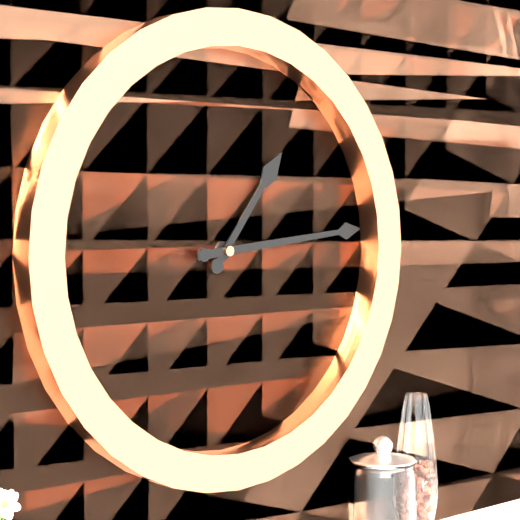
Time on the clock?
1:14
